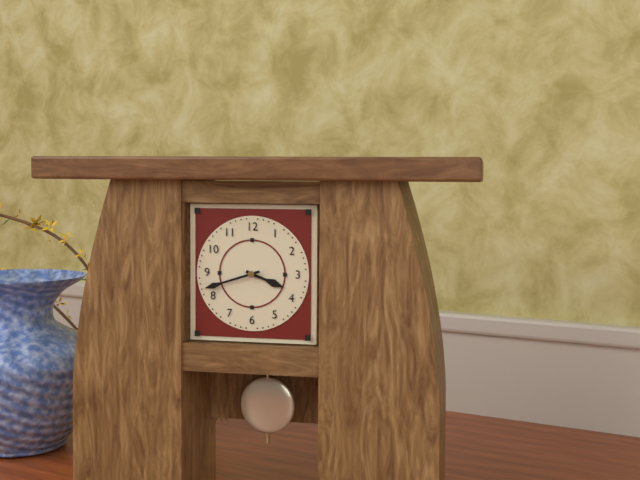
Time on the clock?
3:42
